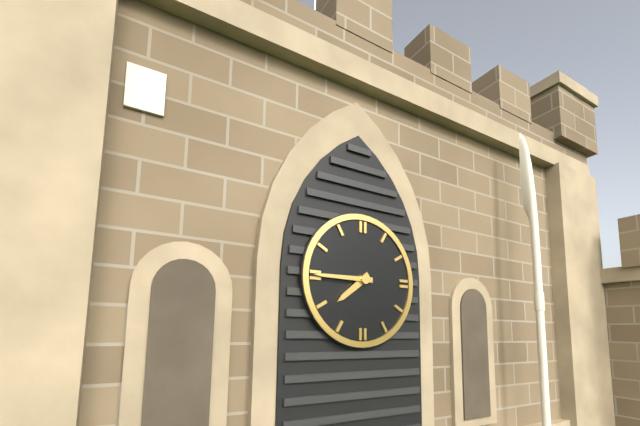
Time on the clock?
7:45
